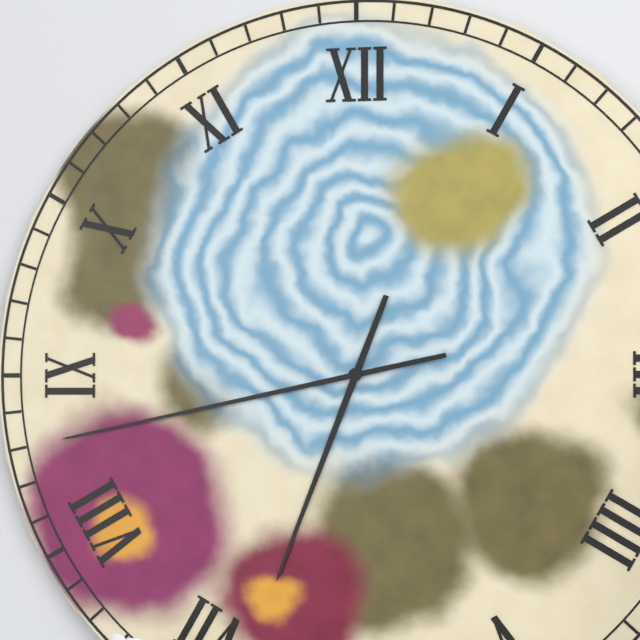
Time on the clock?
6:43
